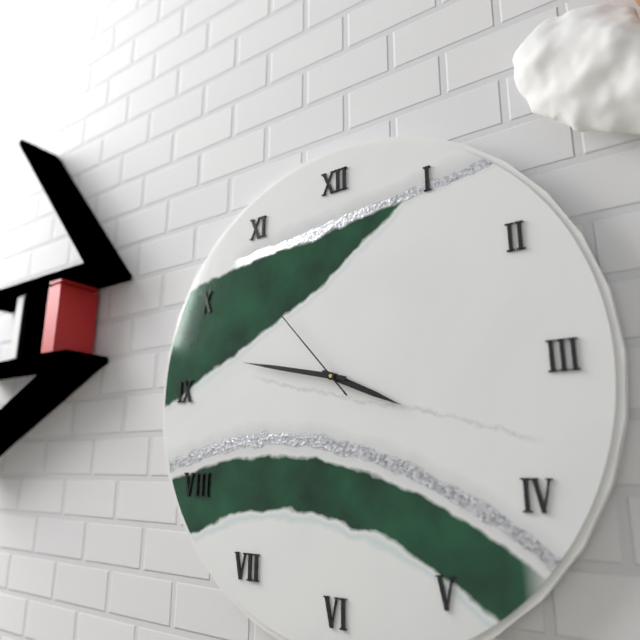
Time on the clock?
3:47:53
